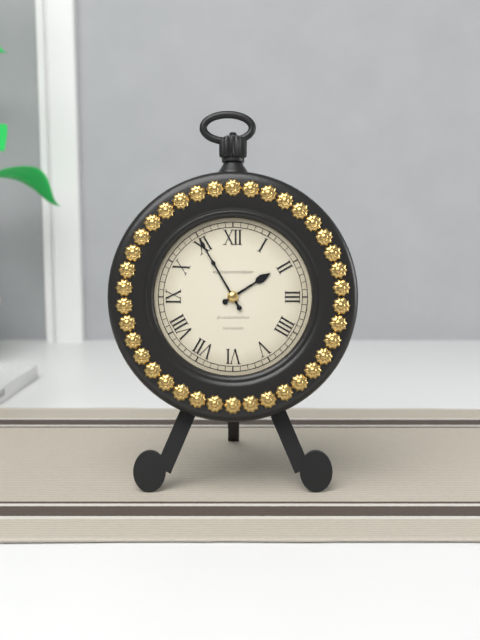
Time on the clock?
1:55
